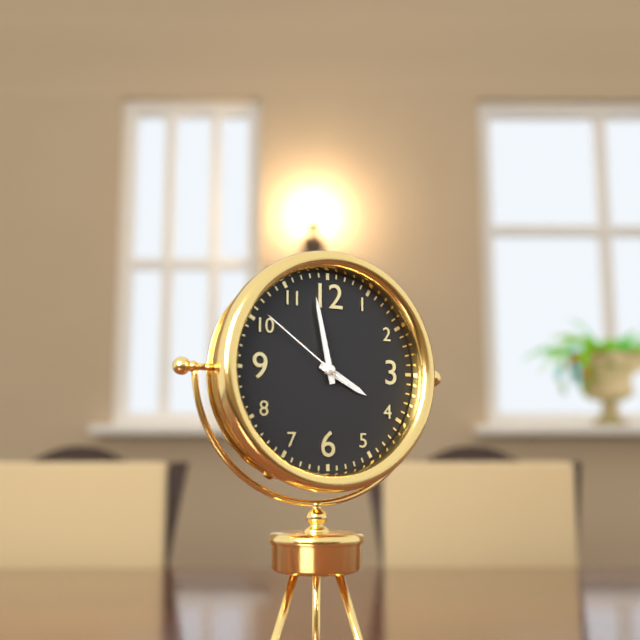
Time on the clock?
3:58:51
